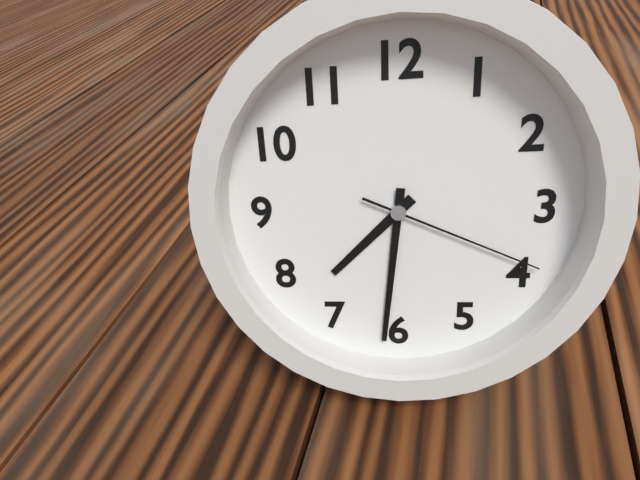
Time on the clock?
7:31:19
